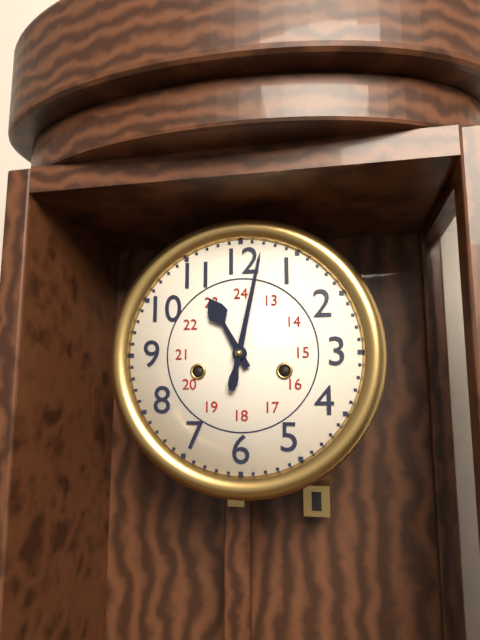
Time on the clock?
11:02
